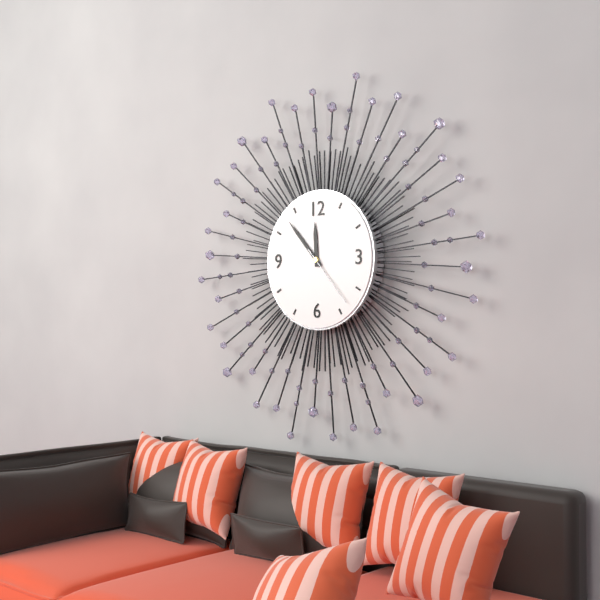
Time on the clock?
11:53:23
